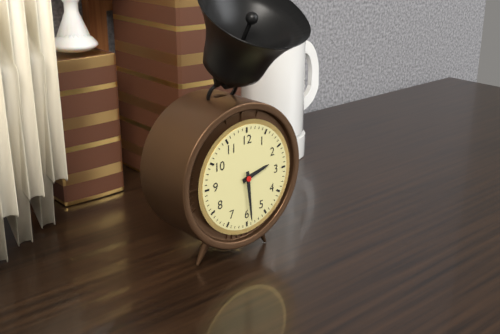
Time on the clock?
2:29
